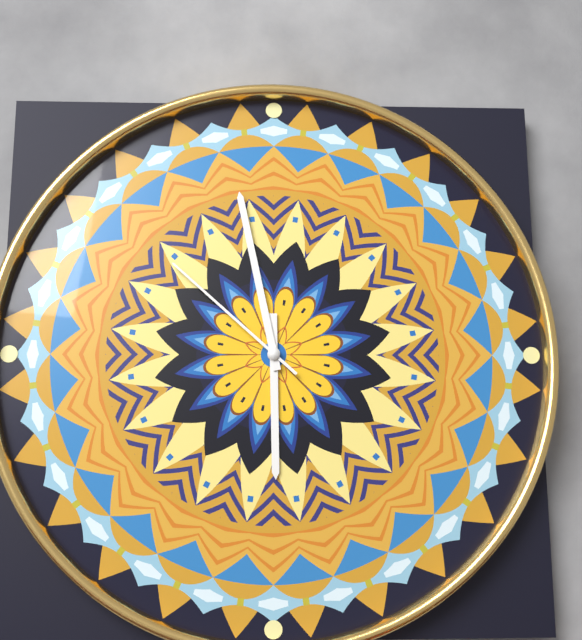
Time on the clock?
5:58:52
